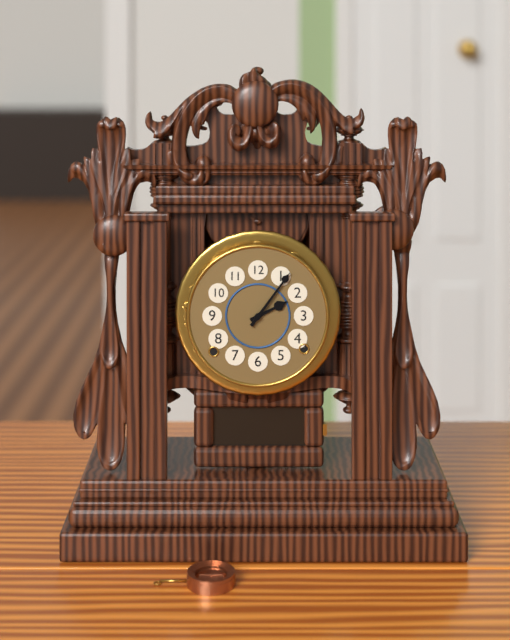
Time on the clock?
2:06
